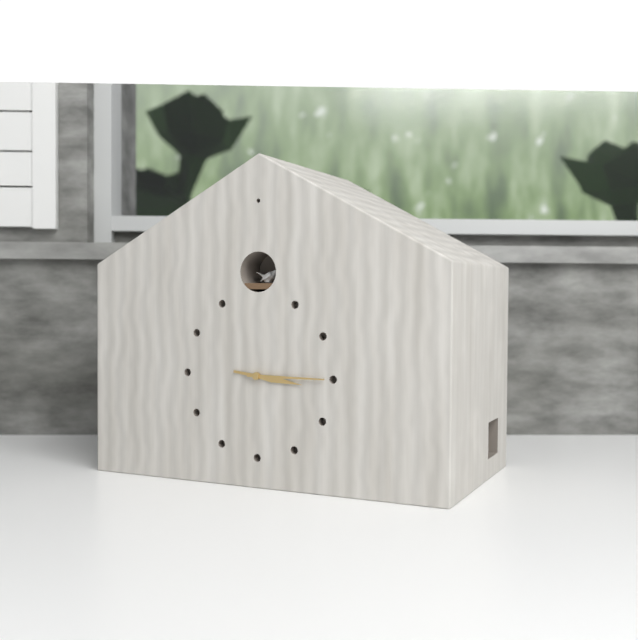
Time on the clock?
3:15
